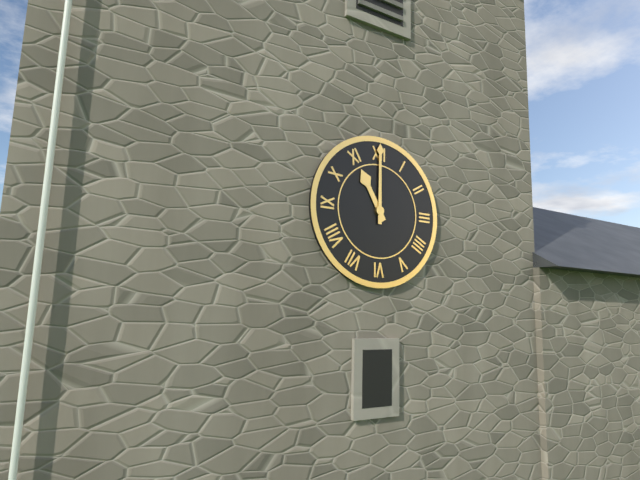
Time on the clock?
11:00
